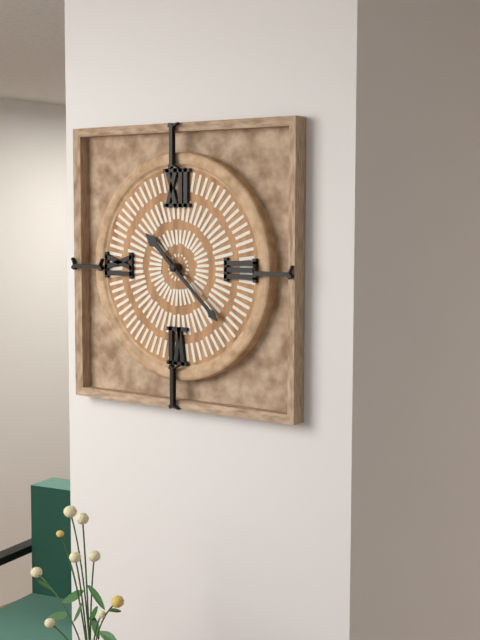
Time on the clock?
10:22
